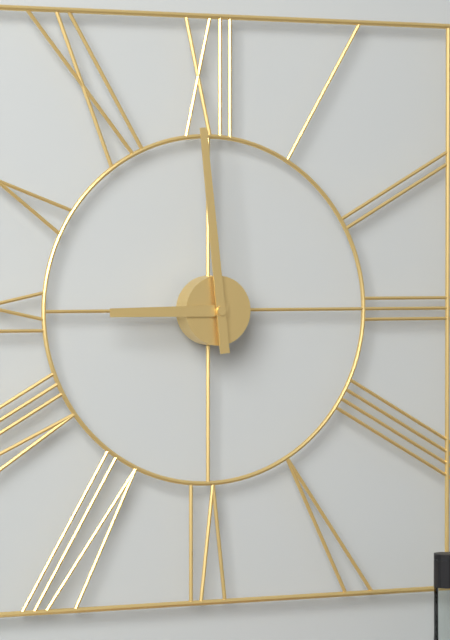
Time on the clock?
8:59
